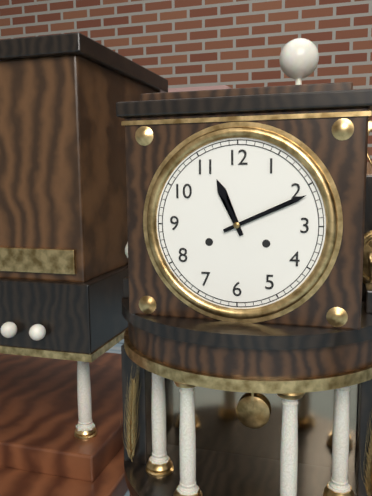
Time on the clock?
11:11
